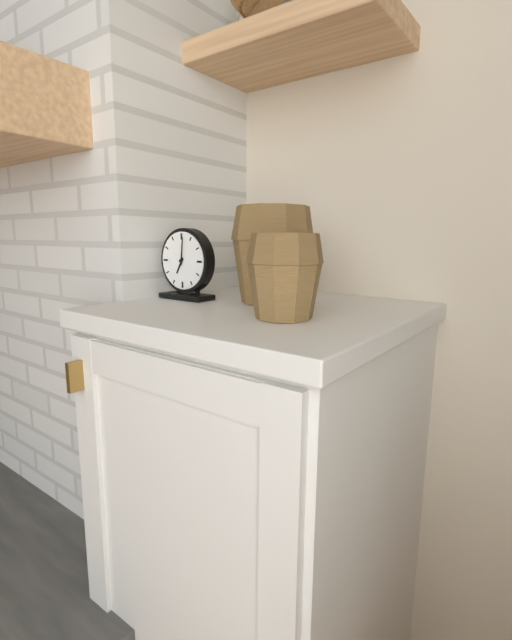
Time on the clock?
7:01
